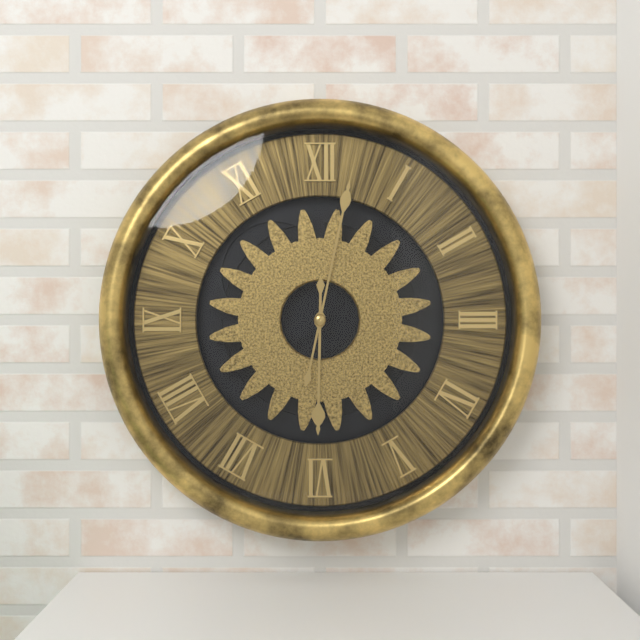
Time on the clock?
6:02
